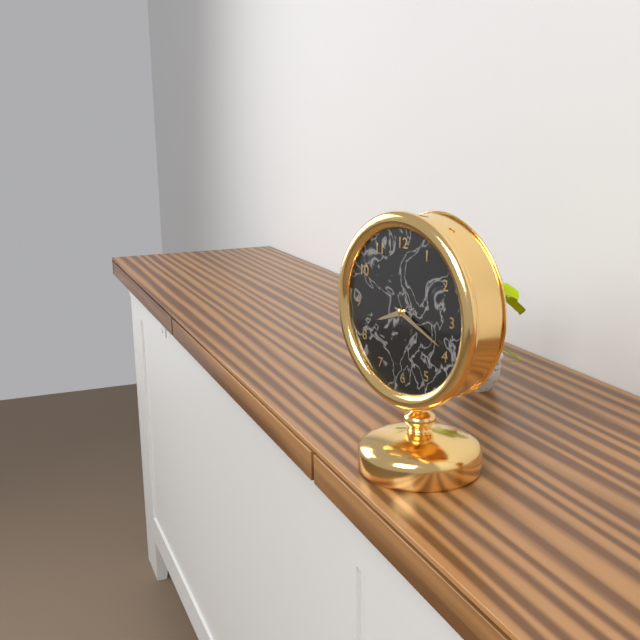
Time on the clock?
8:19
